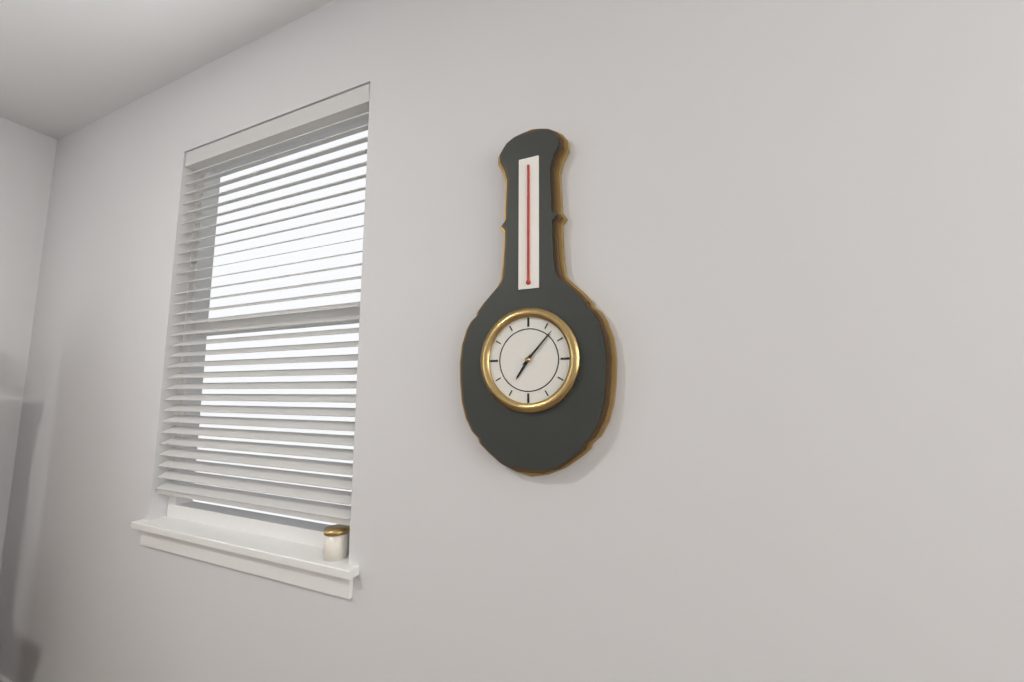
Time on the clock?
7:07
